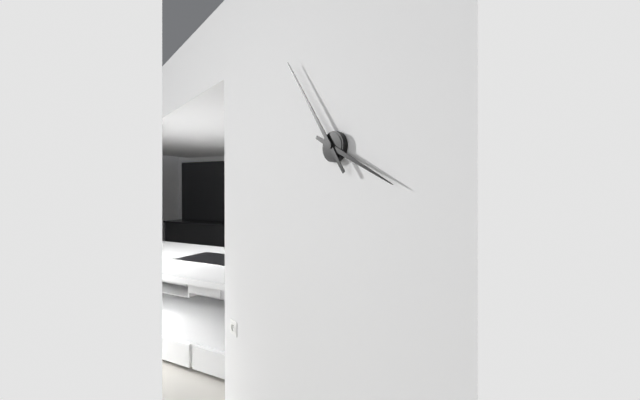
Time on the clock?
3:54
